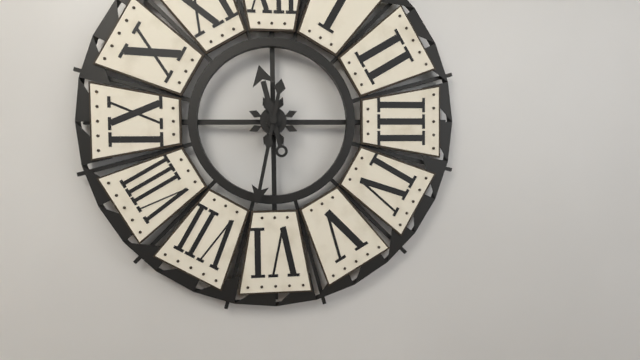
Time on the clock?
11:32
